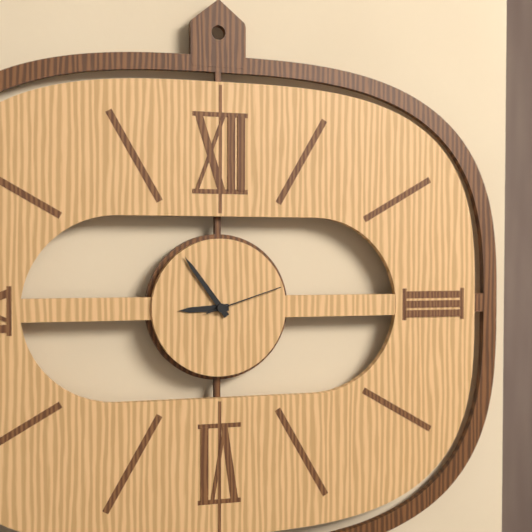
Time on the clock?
8:54:12
